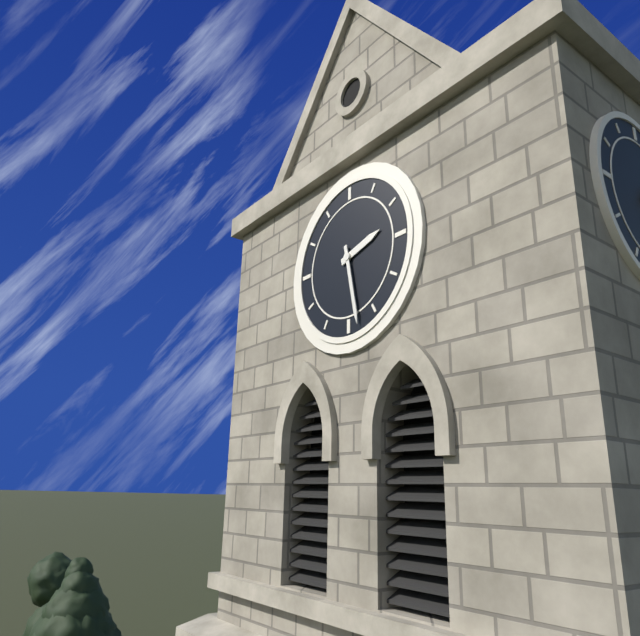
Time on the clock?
2:28
